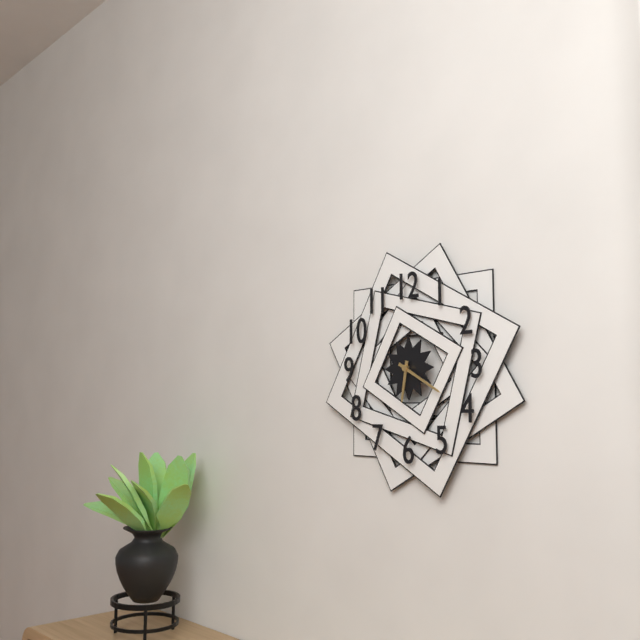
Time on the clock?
6:20
